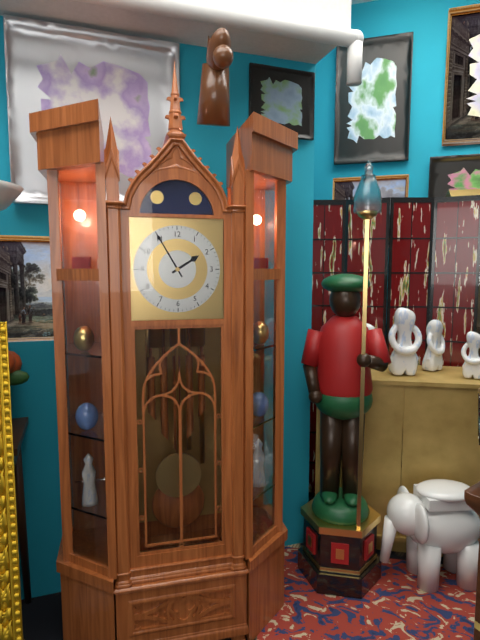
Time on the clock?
1:55
